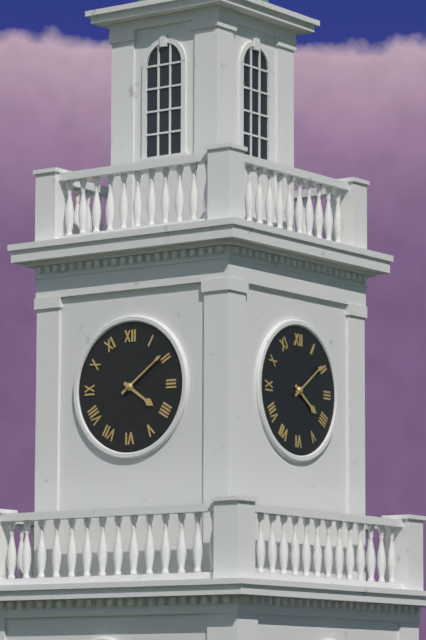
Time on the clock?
4:09
